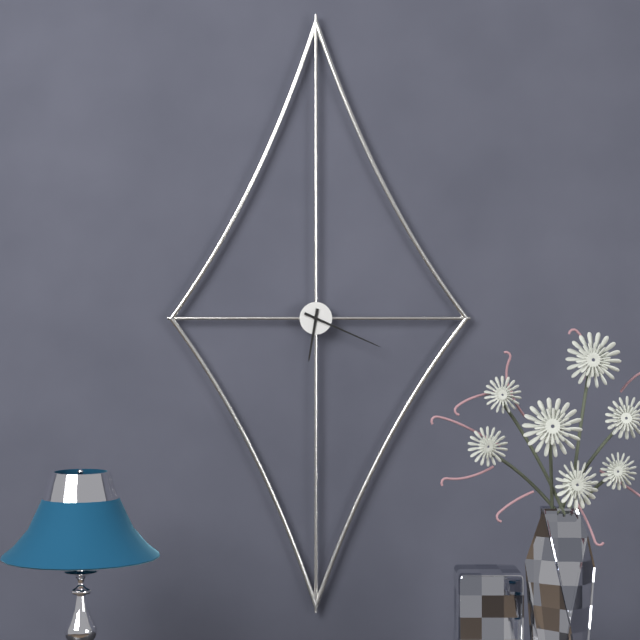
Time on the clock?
6:19
